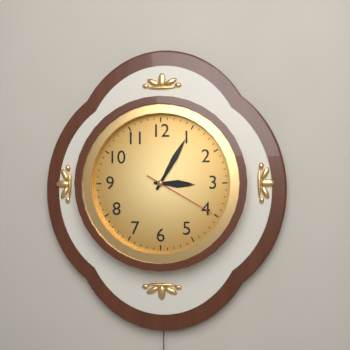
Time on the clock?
3:05:20
